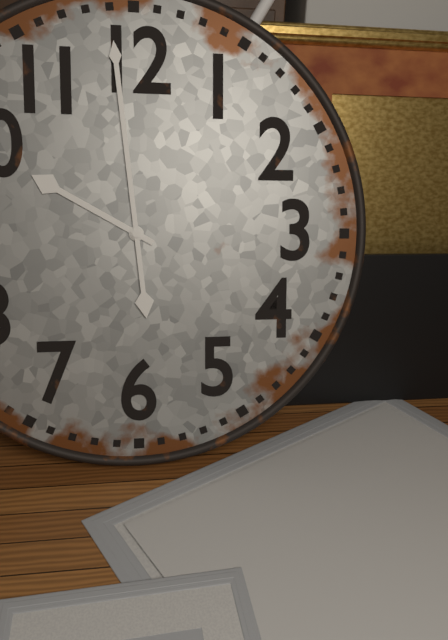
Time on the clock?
9:59
